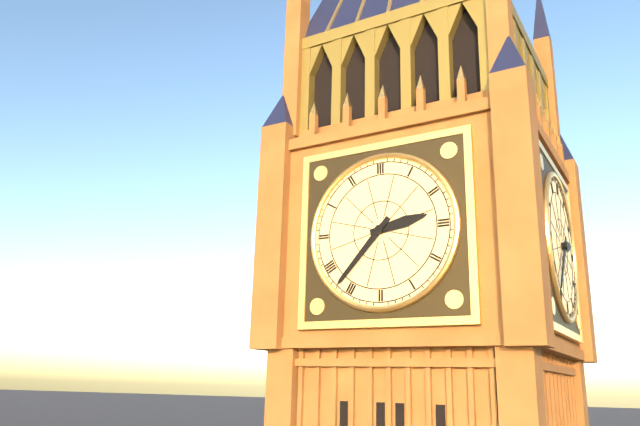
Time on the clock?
2:37
